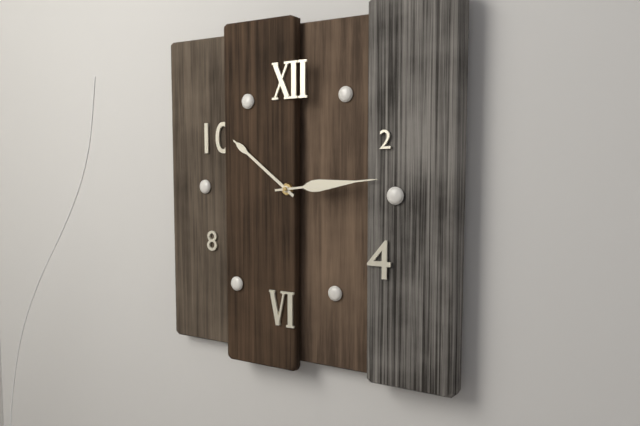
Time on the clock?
10:14
